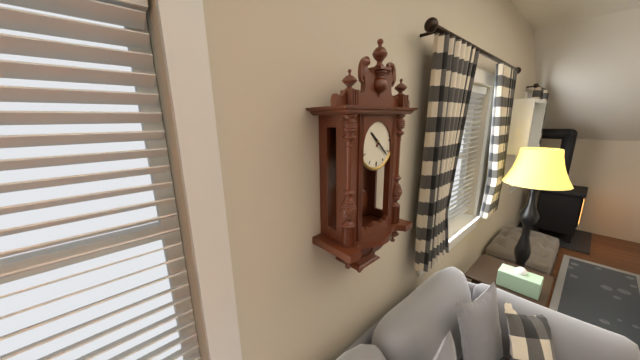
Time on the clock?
10:22
